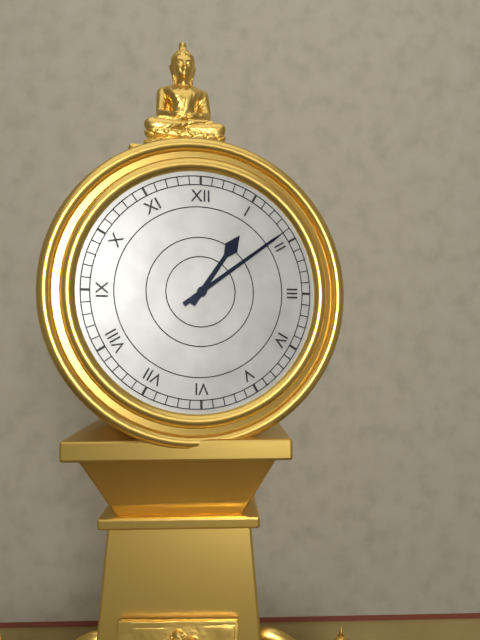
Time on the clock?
1:09
